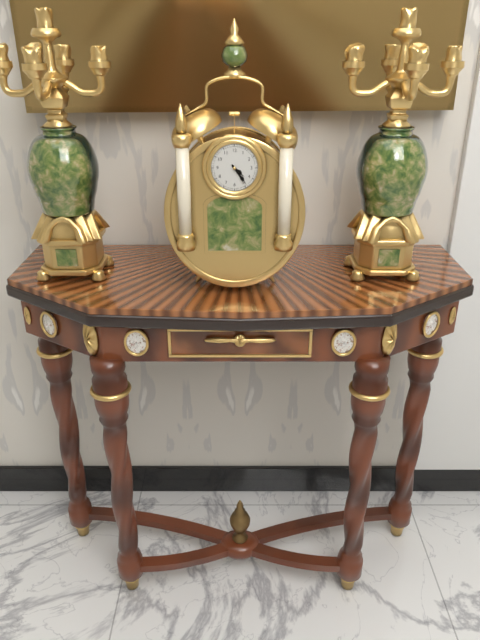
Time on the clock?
4:24
